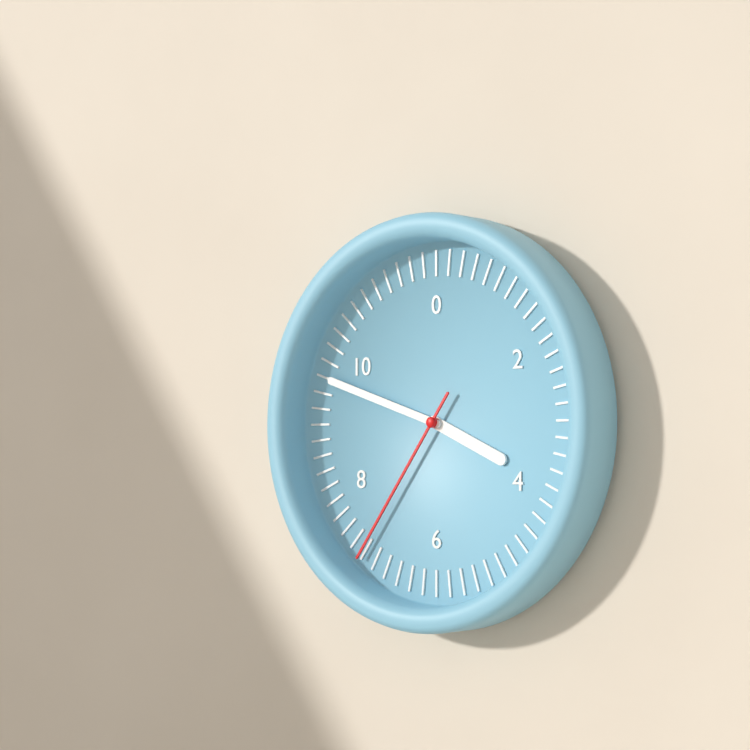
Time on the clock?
3:48:36
